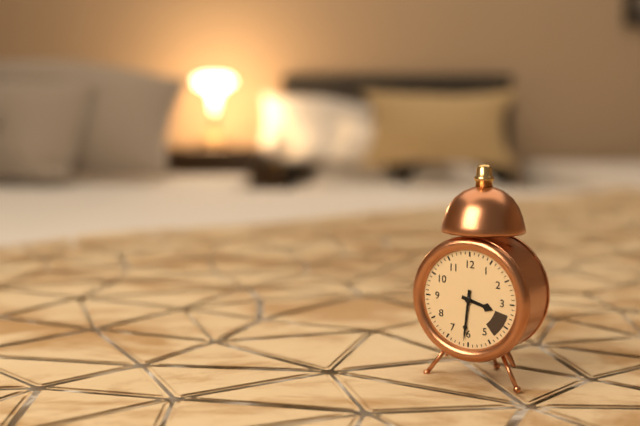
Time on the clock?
3:31
